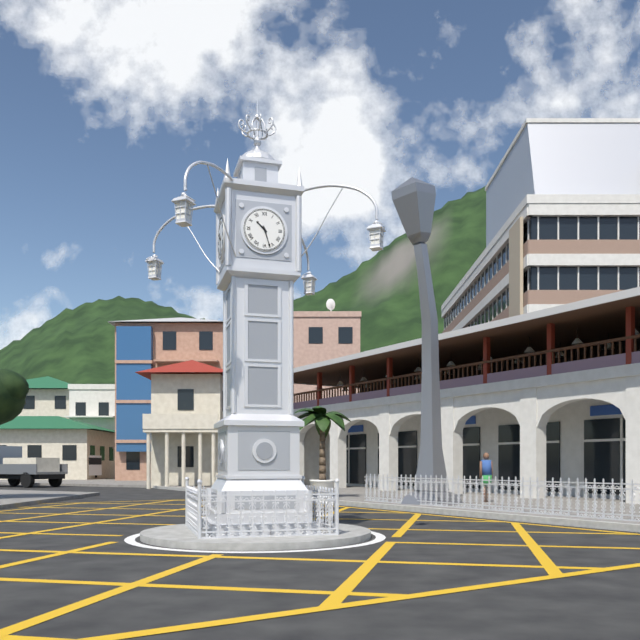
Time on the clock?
10:27
